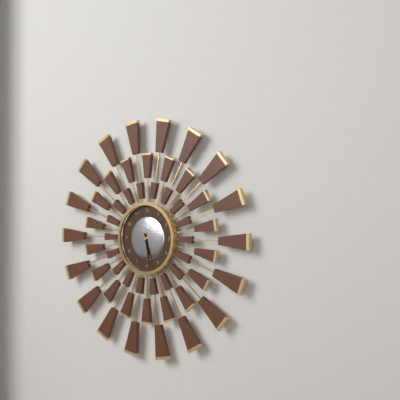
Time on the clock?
5:28
